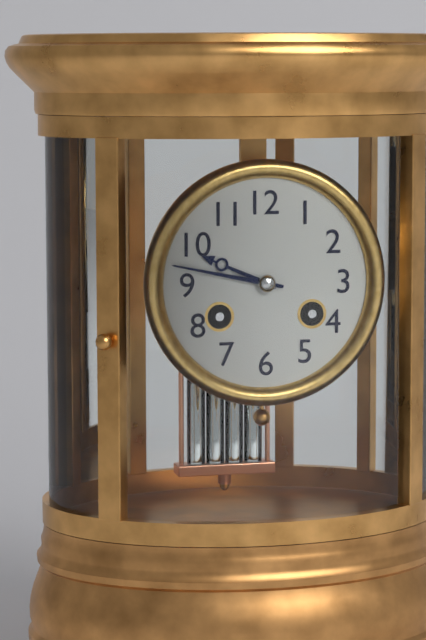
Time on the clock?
9:47
